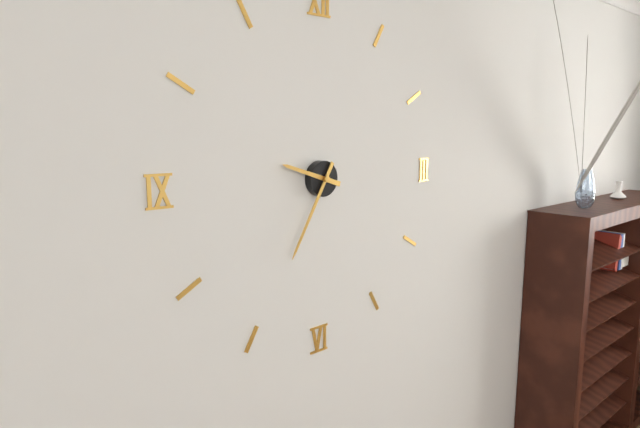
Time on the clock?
9:35
